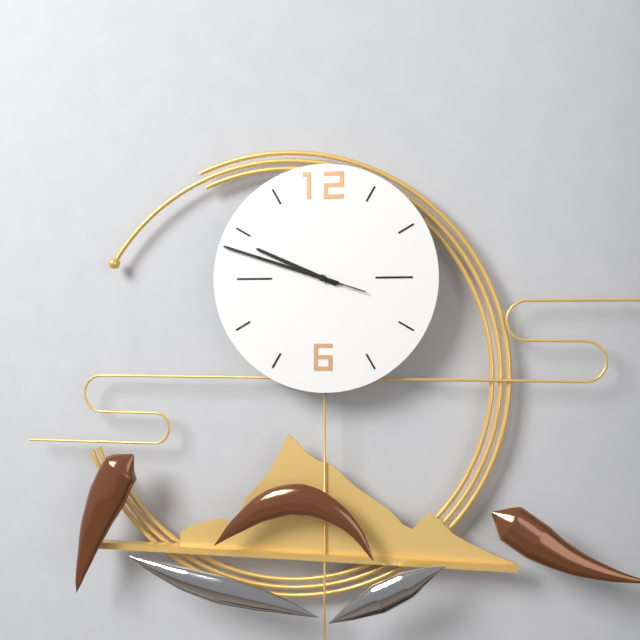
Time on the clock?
9:48:48
